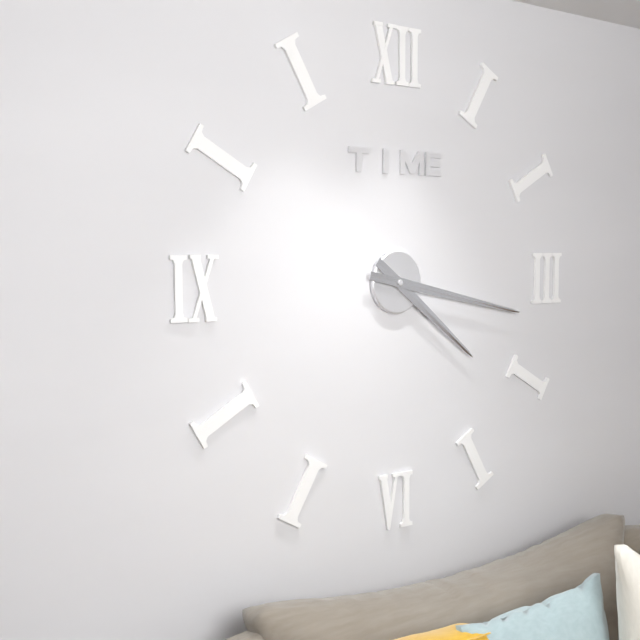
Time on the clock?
4:17
